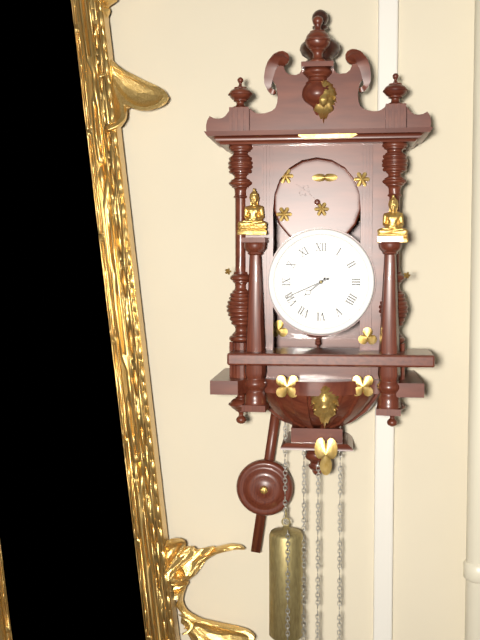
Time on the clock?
7:41
